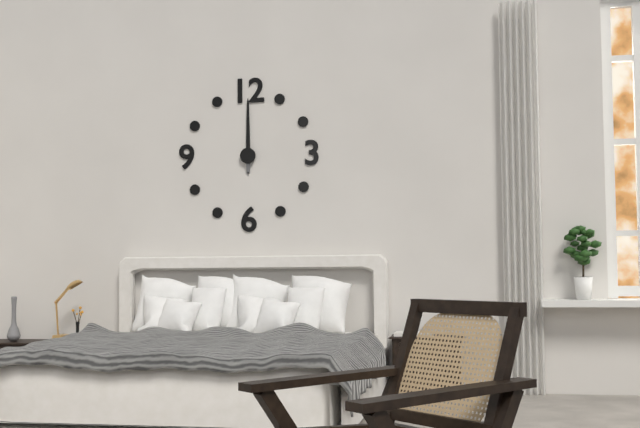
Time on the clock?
12:00
